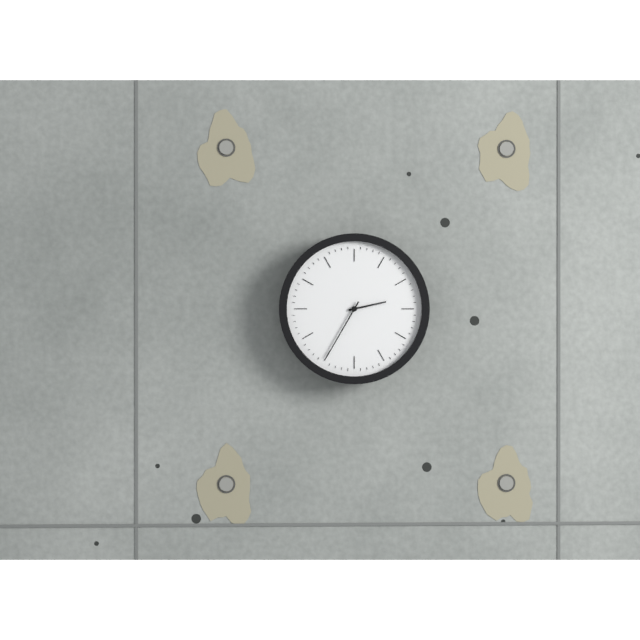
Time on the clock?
2:35
